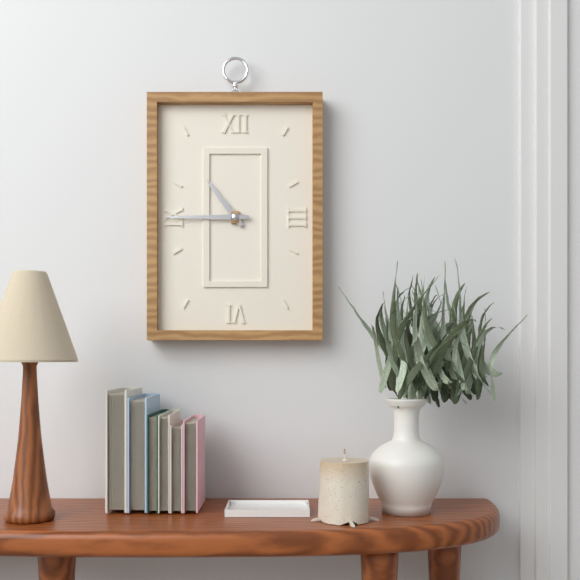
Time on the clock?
10:45
